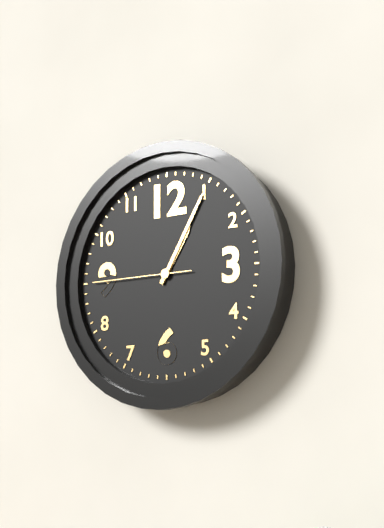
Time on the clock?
1:05:45
